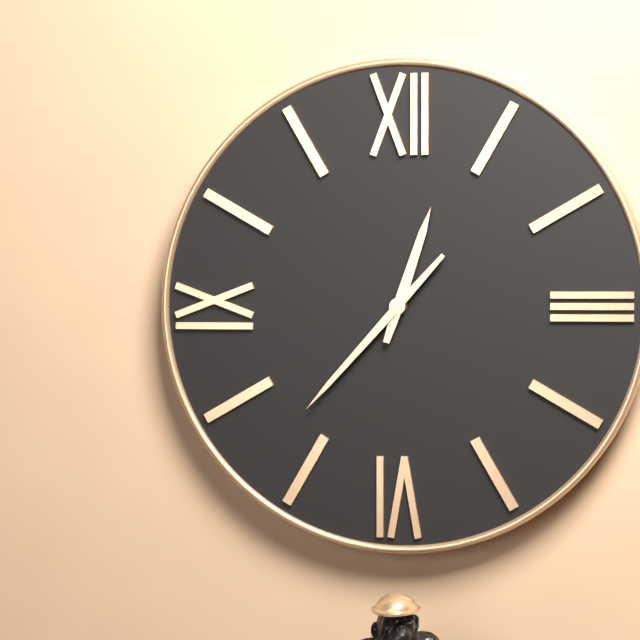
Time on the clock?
12:37
